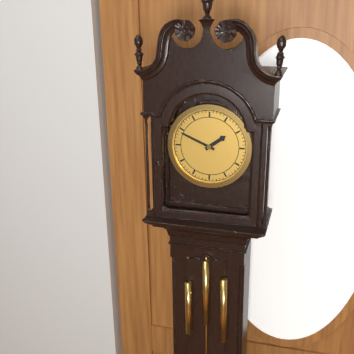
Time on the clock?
1:49
